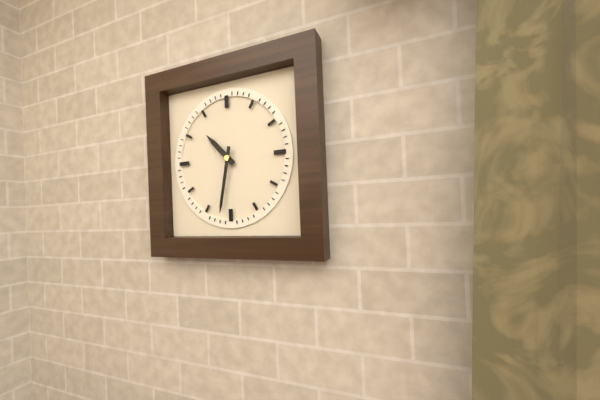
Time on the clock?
10:32
